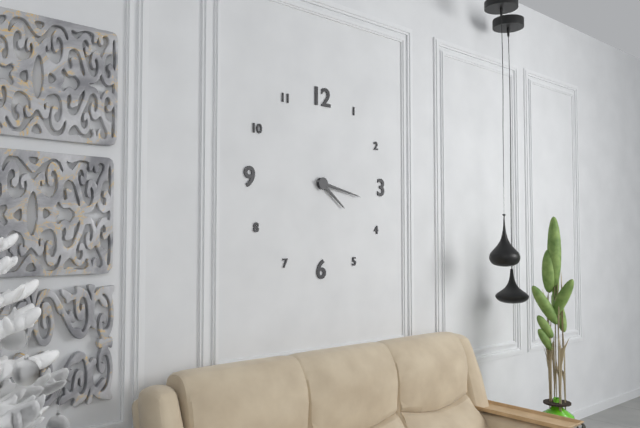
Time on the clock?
4:17
